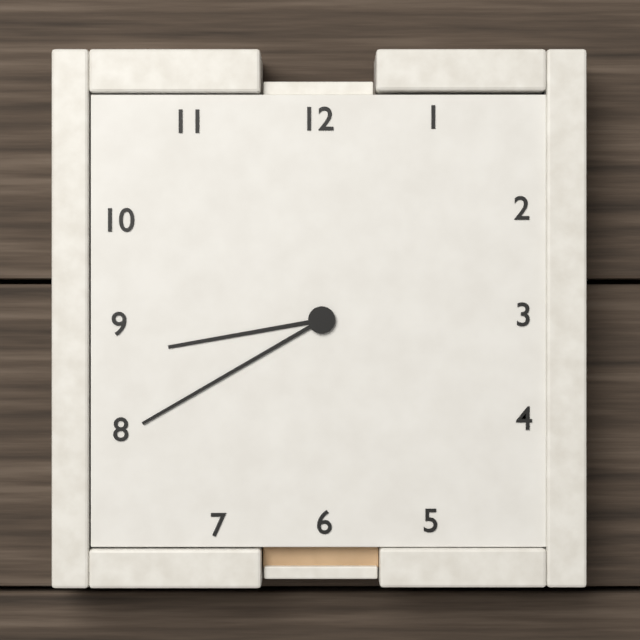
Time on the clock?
8:40
